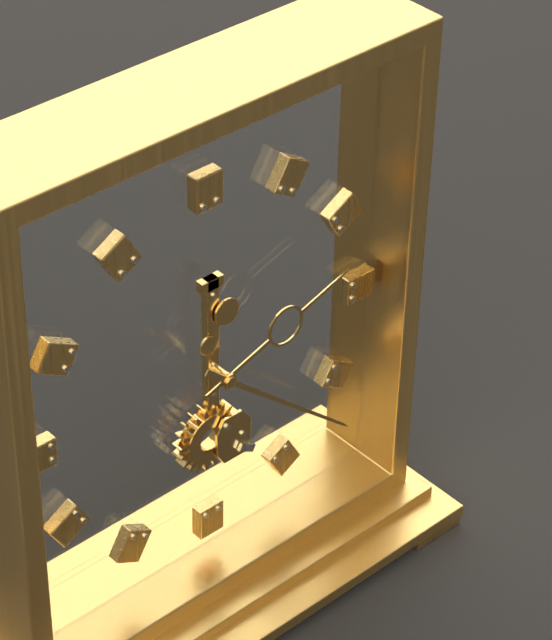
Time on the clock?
2:22
